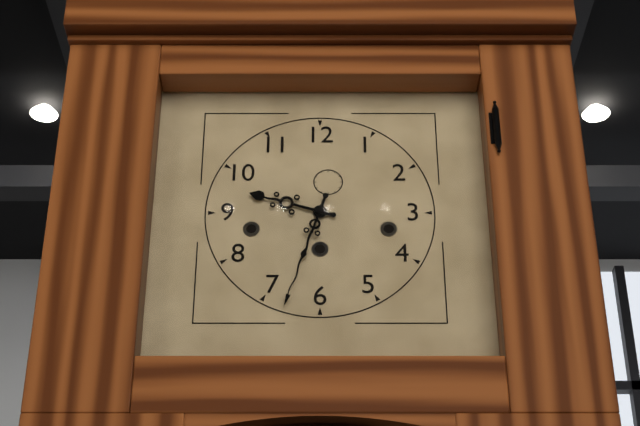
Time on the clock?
9:33
